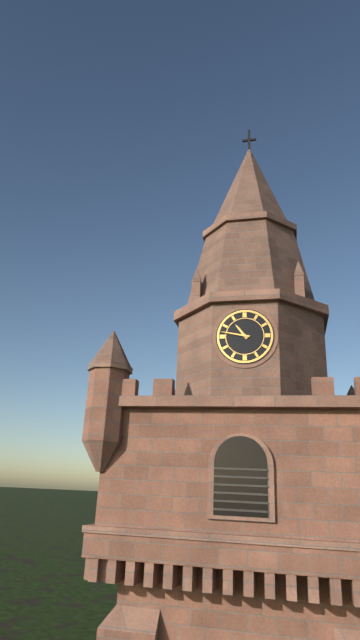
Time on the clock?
10:47
